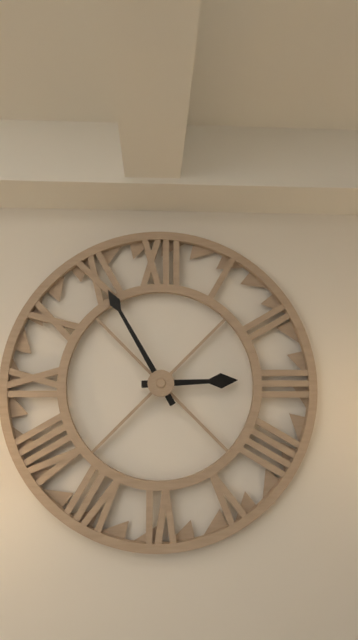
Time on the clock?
2:55
